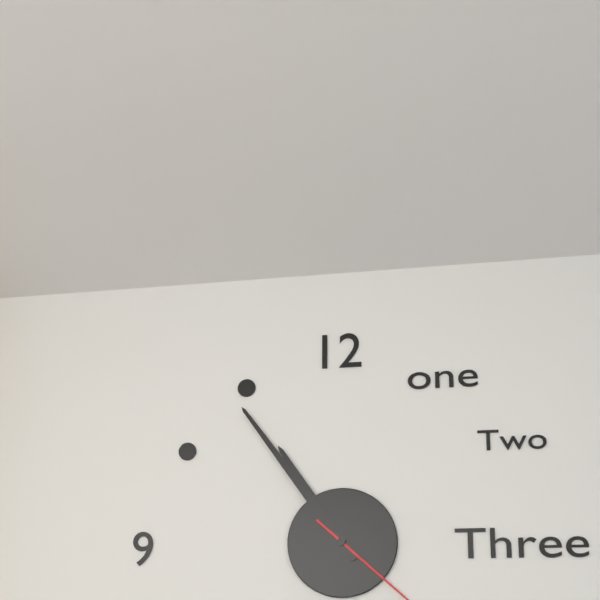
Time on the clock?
10:54
